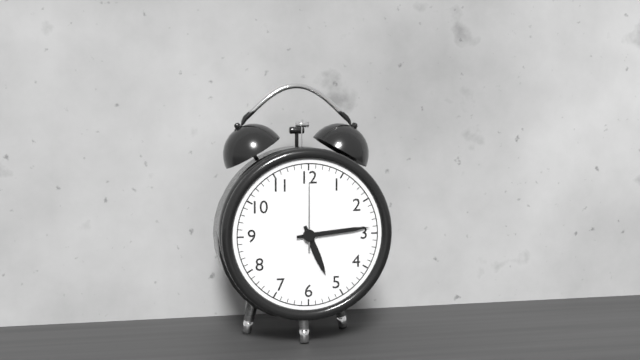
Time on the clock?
5:14:00
